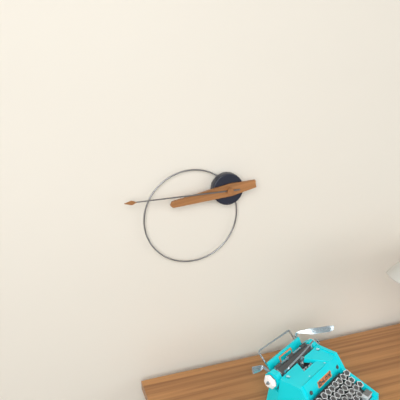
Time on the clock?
8:45
